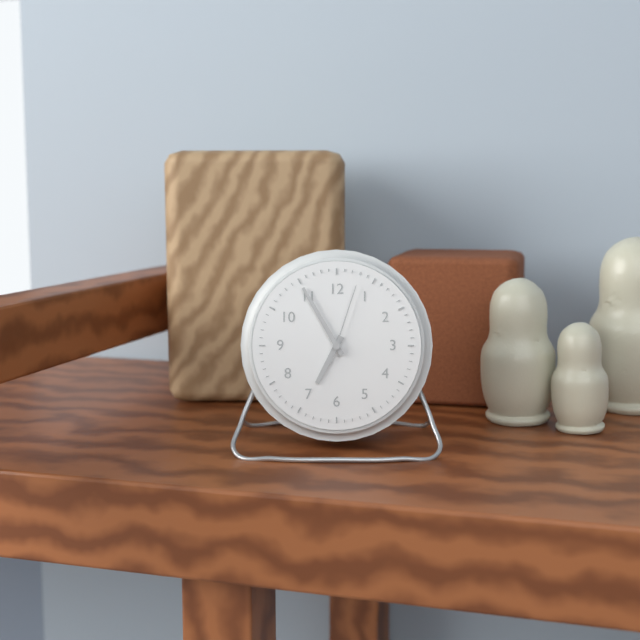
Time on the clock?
6:55:03
